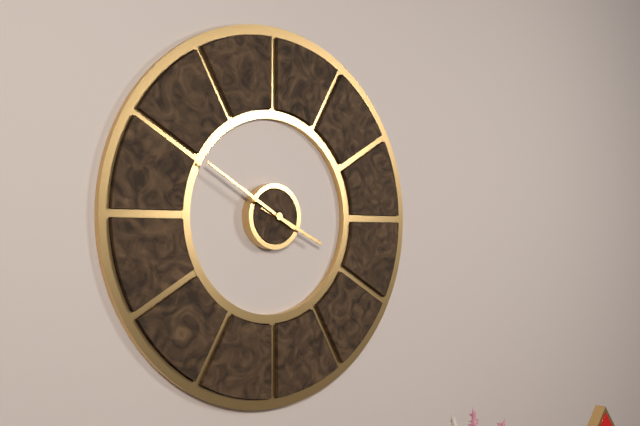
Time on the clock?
3:50
